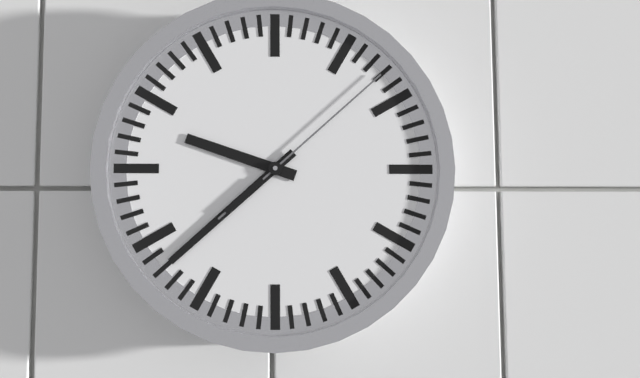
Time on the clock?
9:38:08
